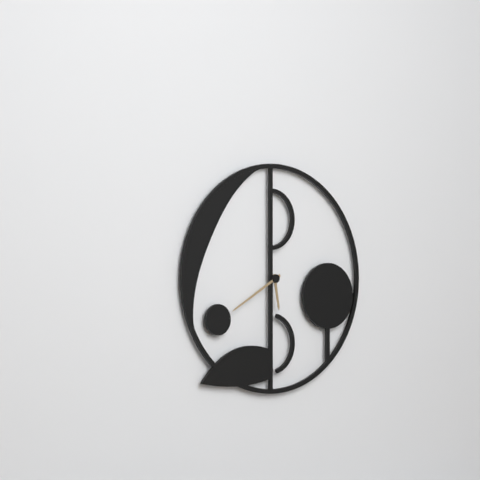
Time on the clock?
5:40
